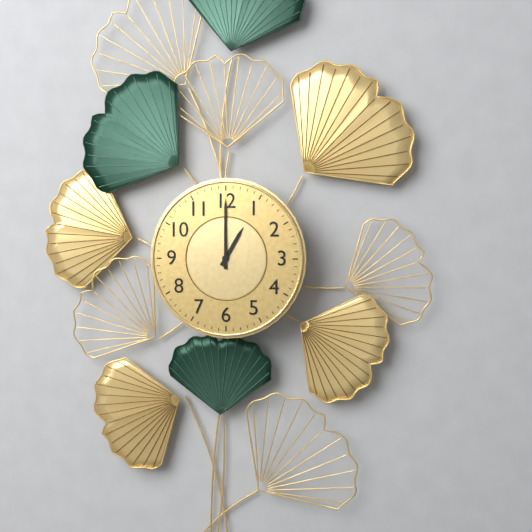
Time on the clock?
1:00
